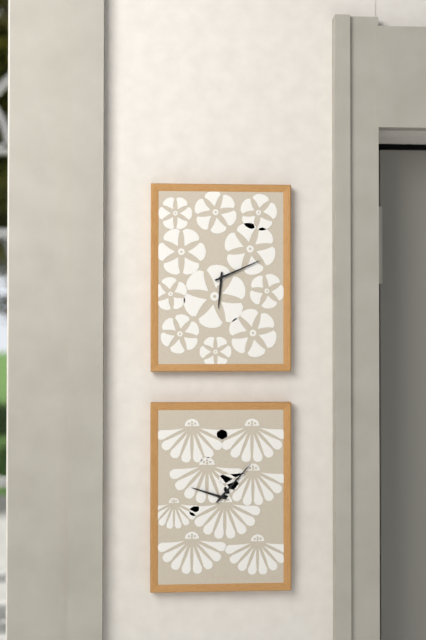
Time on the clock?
6:11
